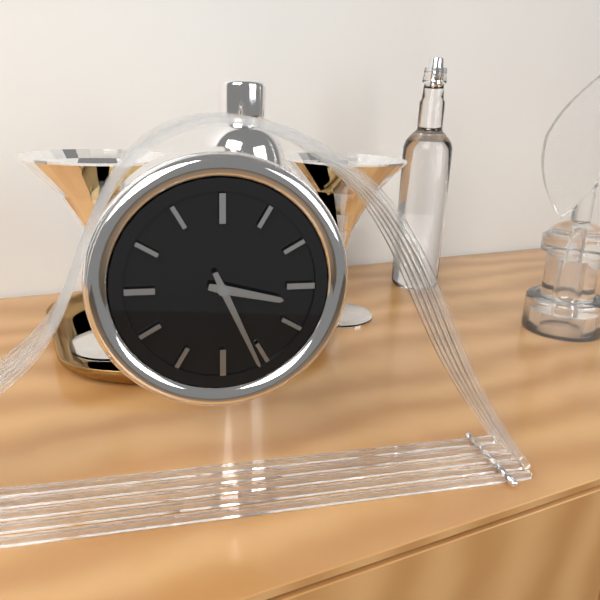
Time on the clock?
3:26
